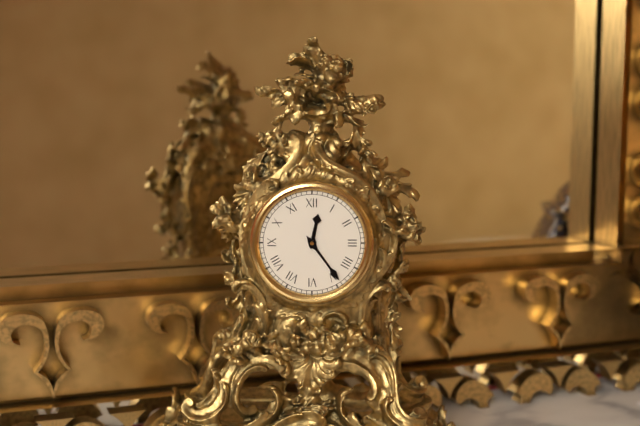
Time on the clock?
12:24
